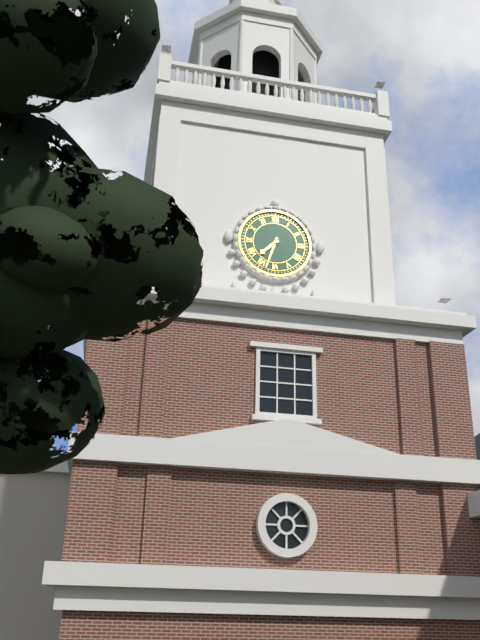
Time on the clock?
7:33
